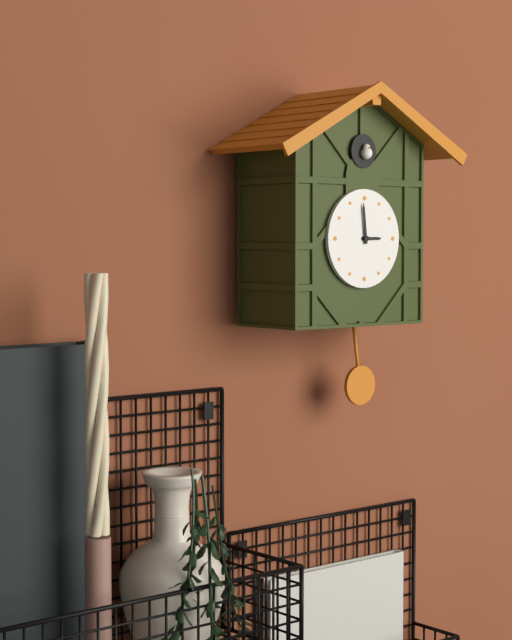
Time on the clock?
2:59
